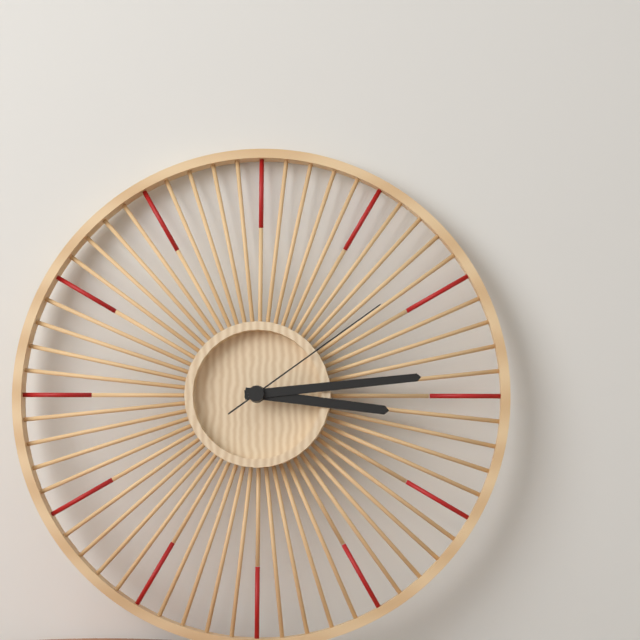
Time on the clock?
3:14:09
